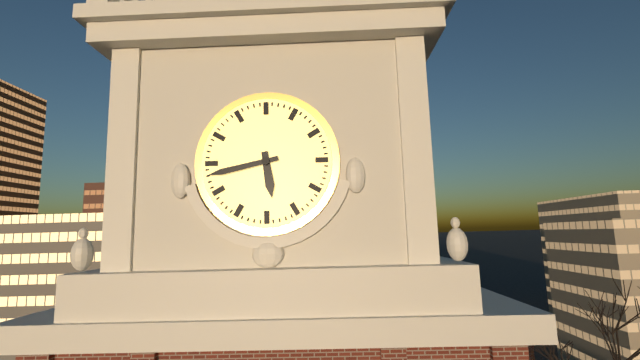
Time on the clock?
5:43
